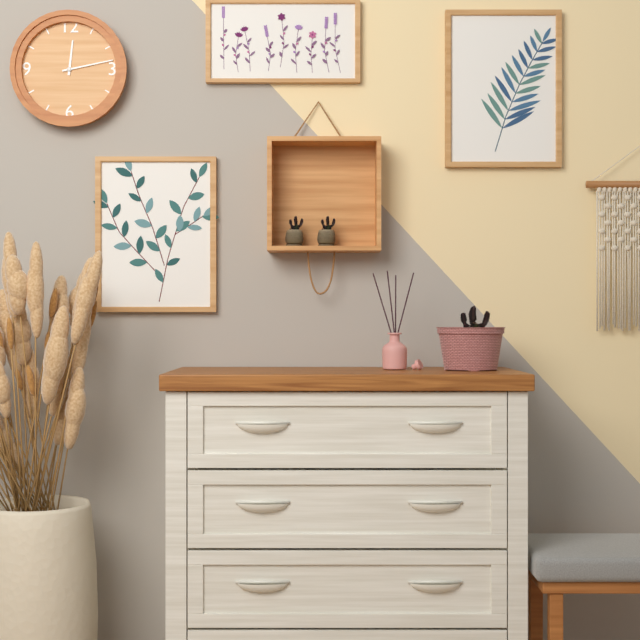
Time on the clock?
12:13
